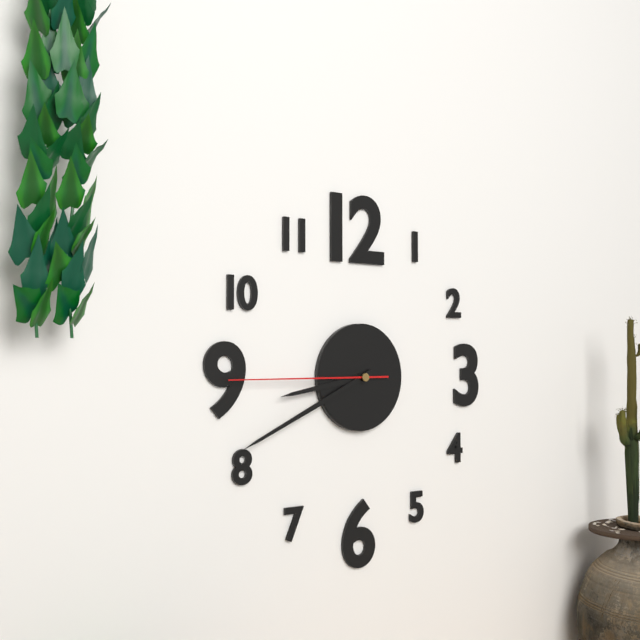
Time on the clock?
8:41:45
